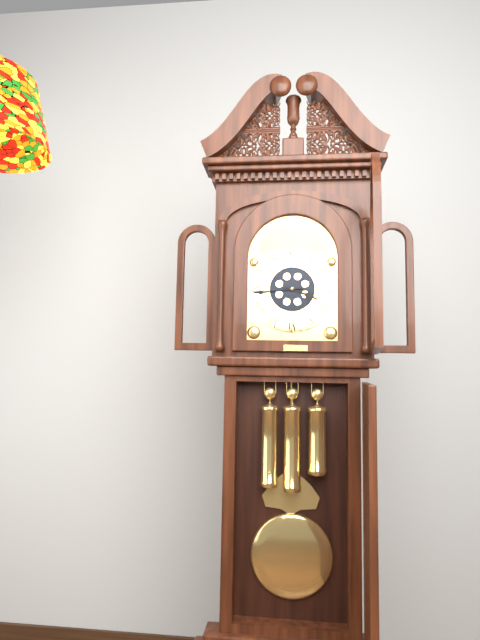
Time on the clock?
3:44
